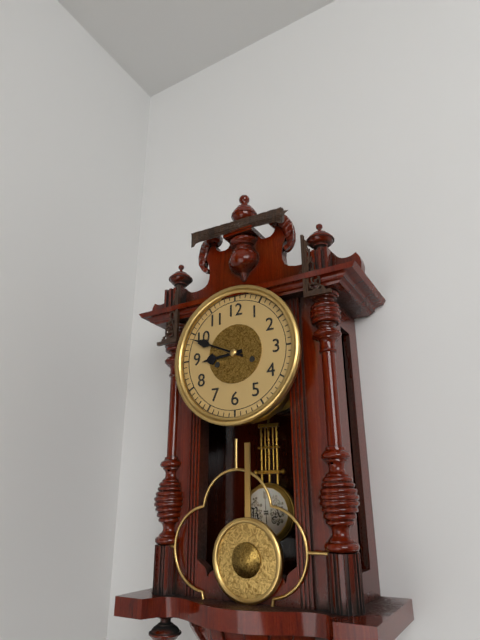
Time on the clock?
8:49
